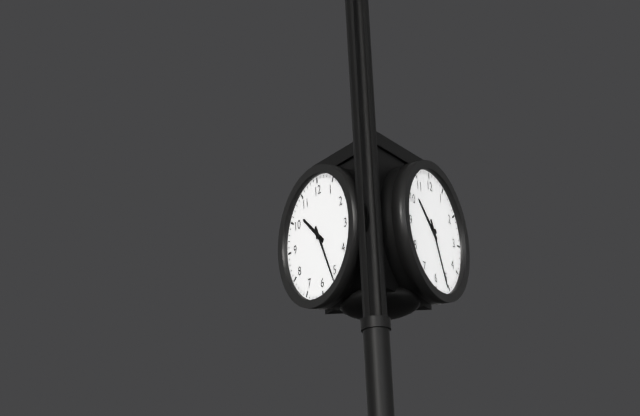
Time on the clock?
10:26
